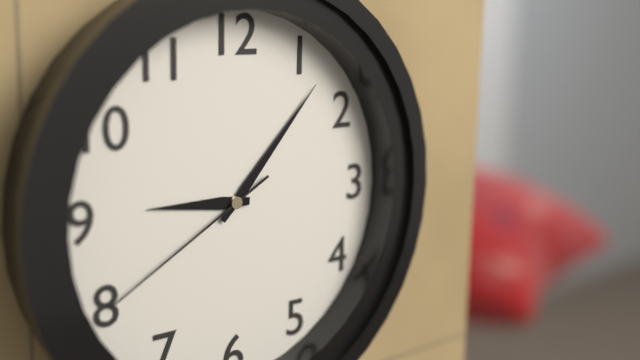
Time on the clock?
9:07:40
